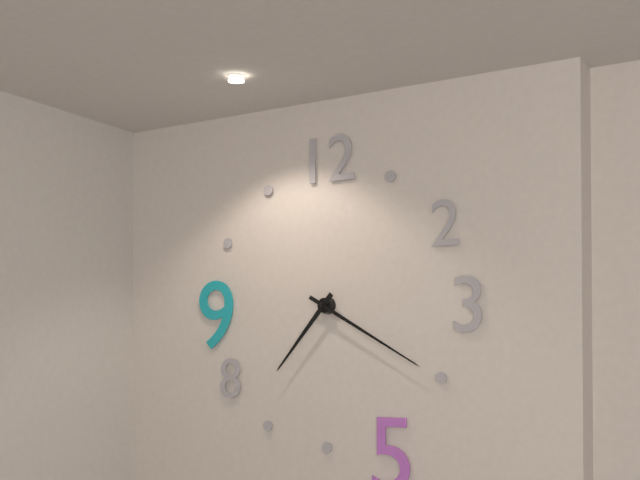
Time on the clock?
7:20
